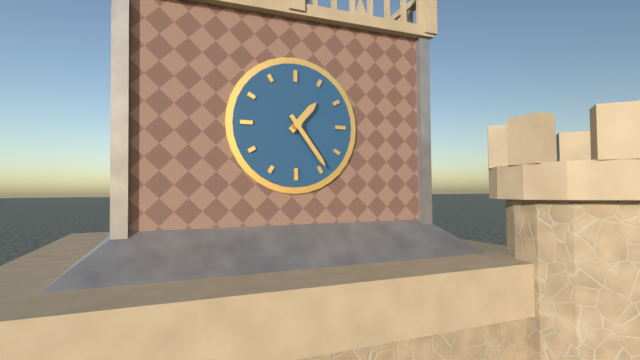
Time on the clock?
1:24
